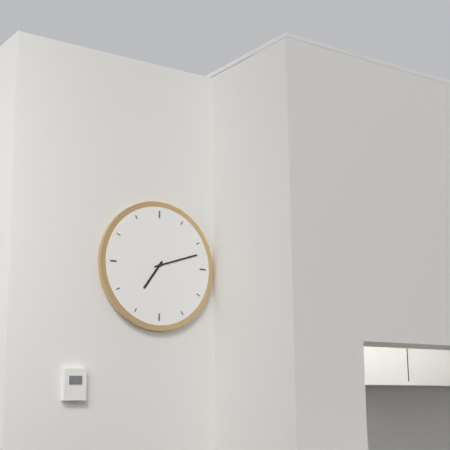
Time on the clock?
7:12
